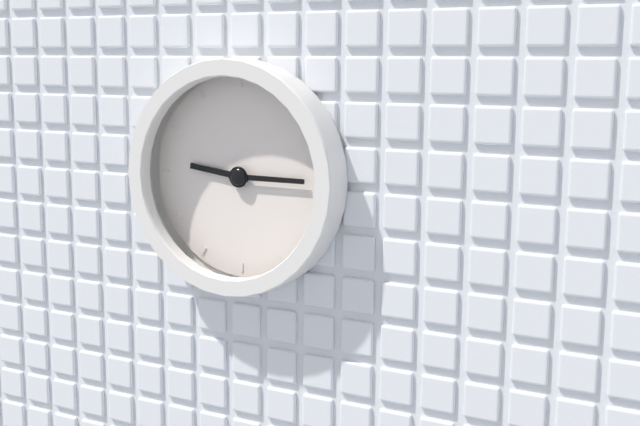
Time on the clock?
9:15
